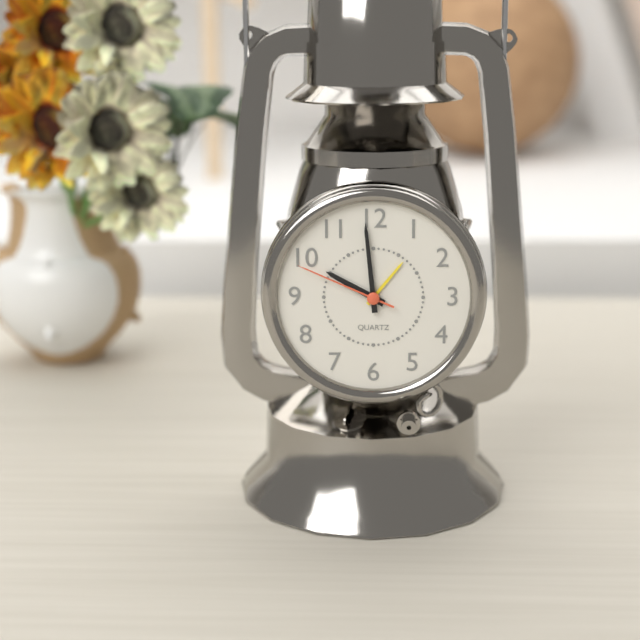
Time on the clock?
9:59:49
